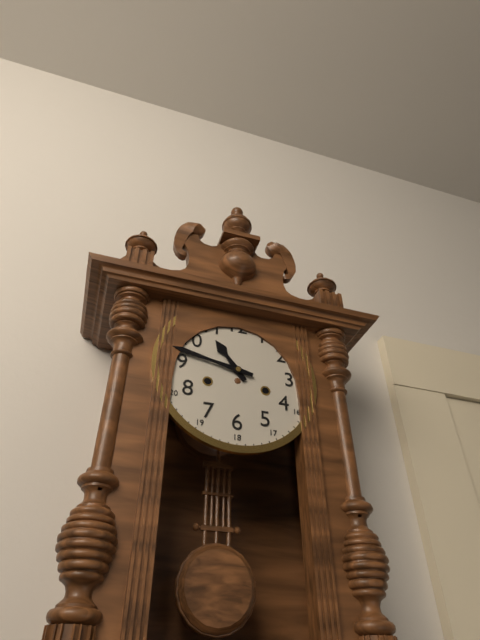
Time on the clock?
10:47
